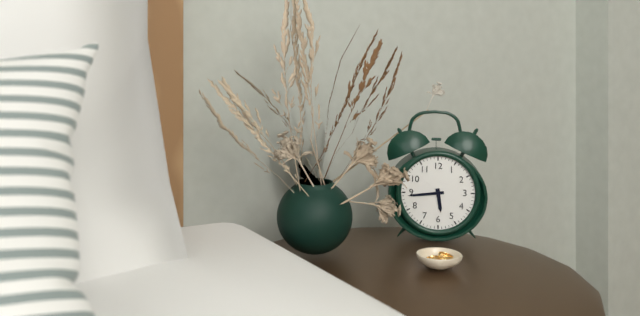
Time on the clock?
5:44
